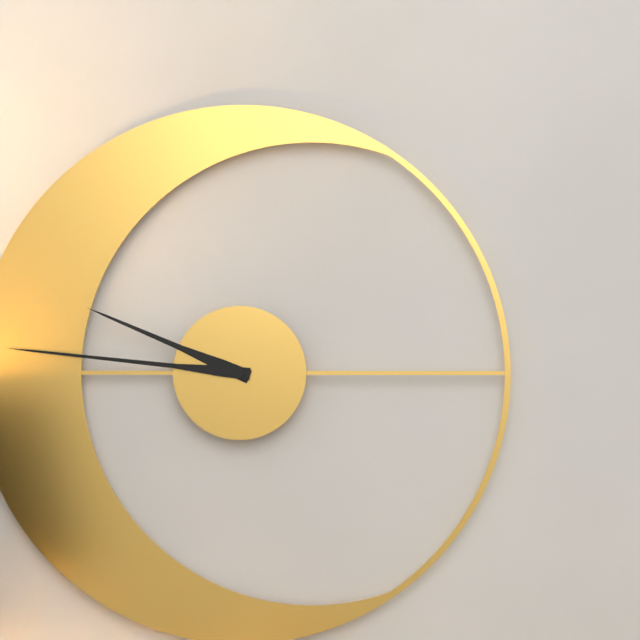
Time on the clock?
9:46
